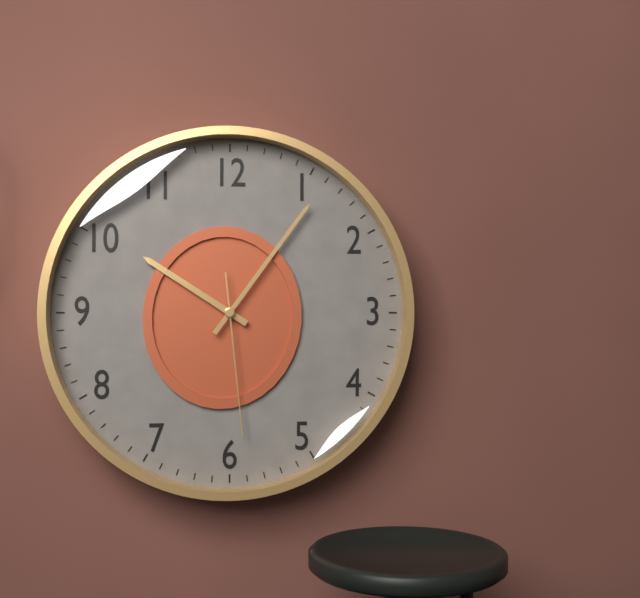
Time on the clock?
10:06:29
